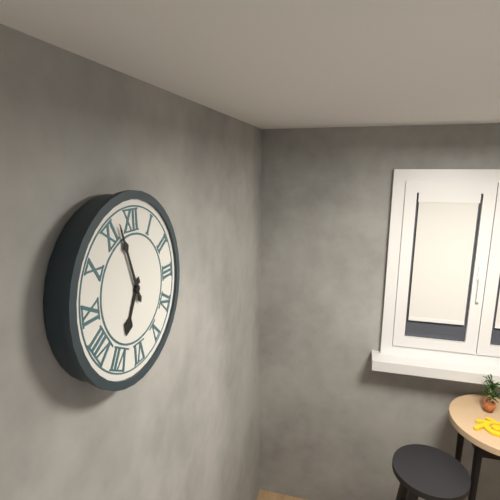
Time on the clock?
6:57
